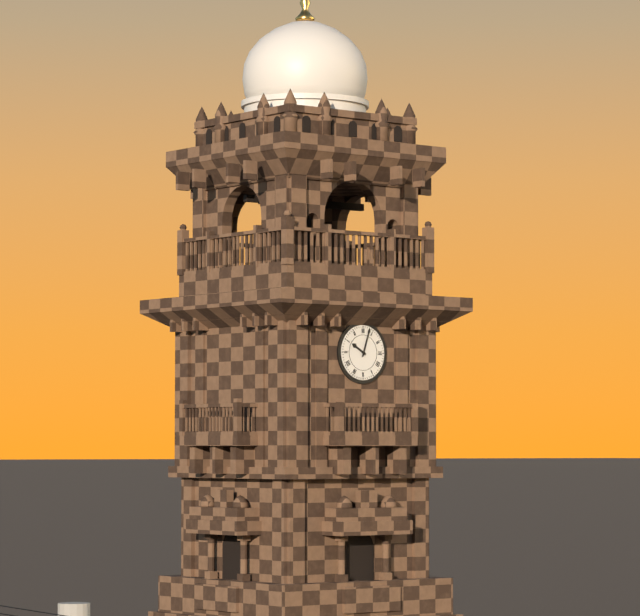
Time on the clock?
10:03
